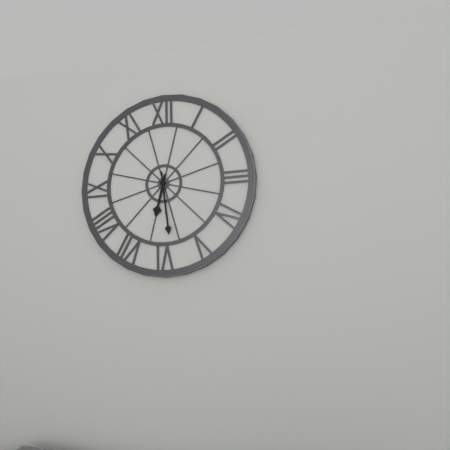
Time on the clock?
6:29
